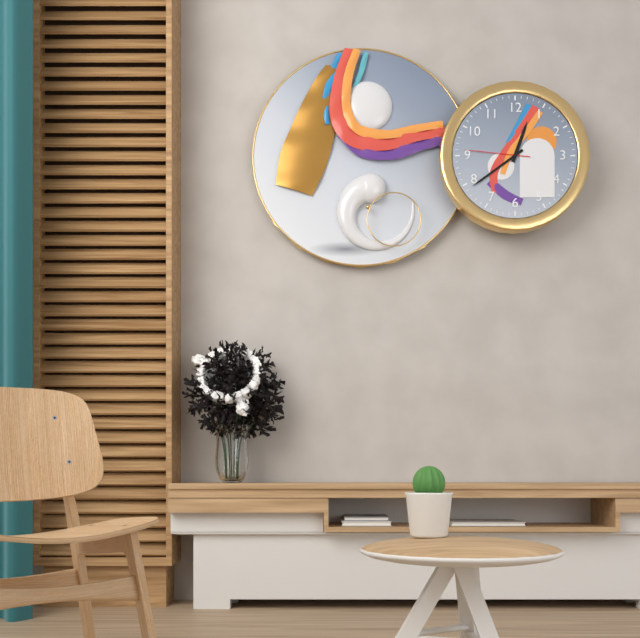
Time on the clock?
12:39:46
